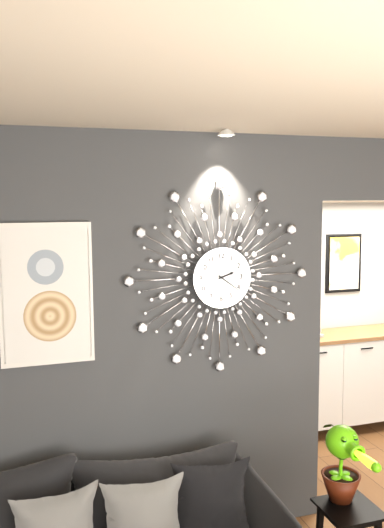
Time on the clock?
2:21
